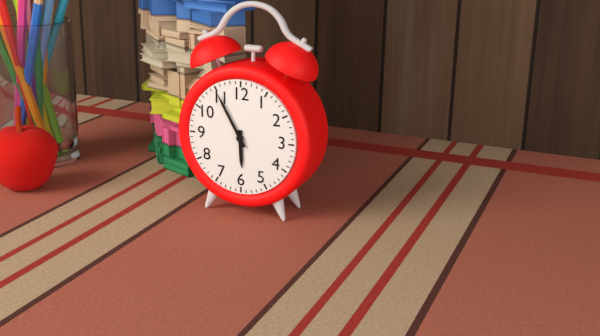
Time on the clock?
5:55
